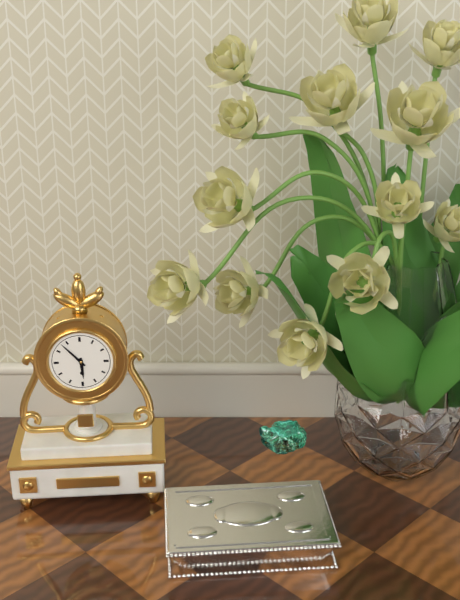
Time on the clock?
5:53
